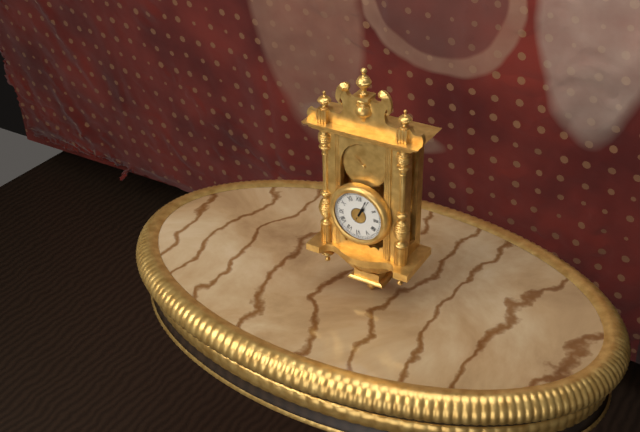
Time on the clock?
1:04
